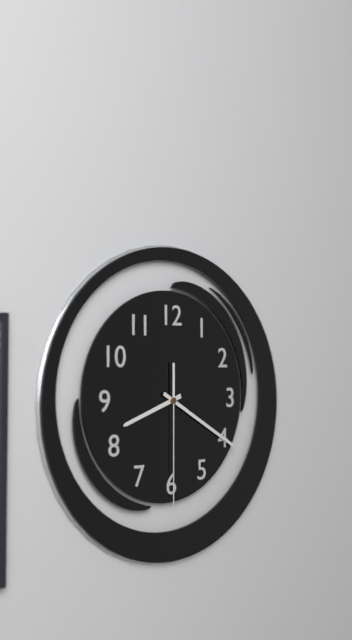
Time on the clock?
8:20:30
